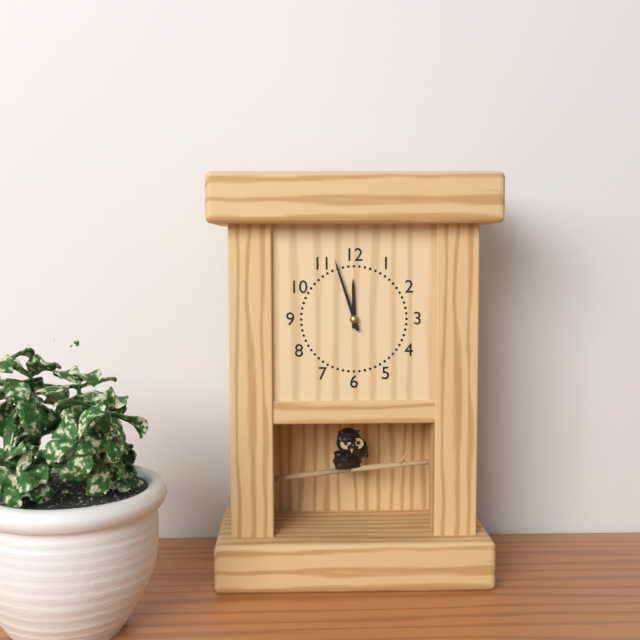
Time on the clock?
11:57
